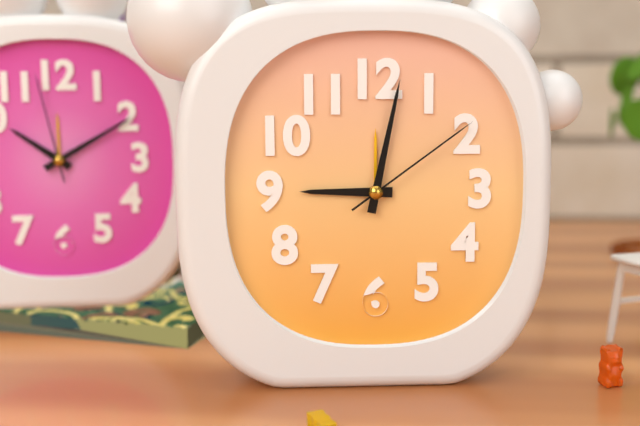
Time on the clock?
9:02:09
